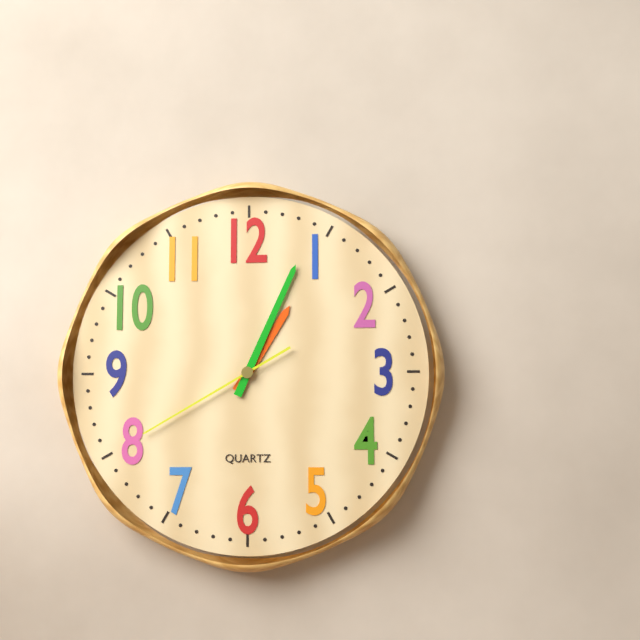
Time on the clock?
1:04:40
